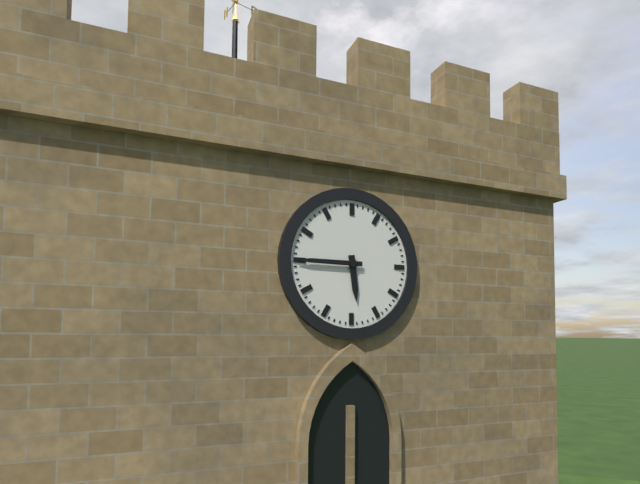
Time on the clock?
5:45
